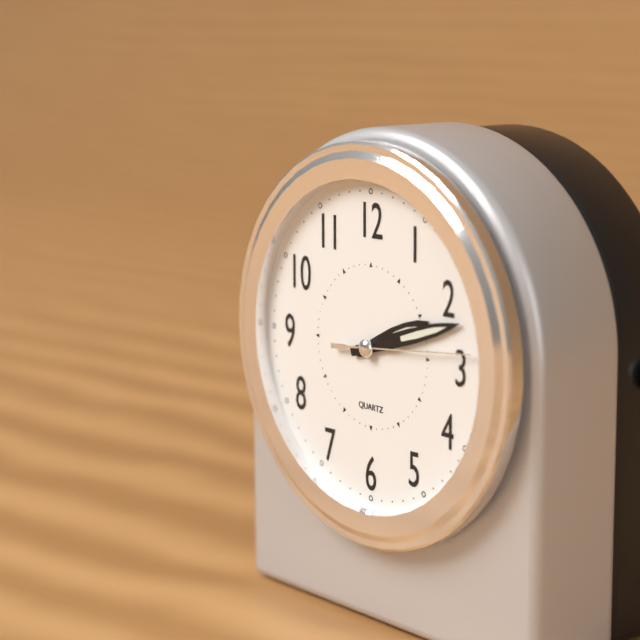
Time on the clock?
2:12:14
